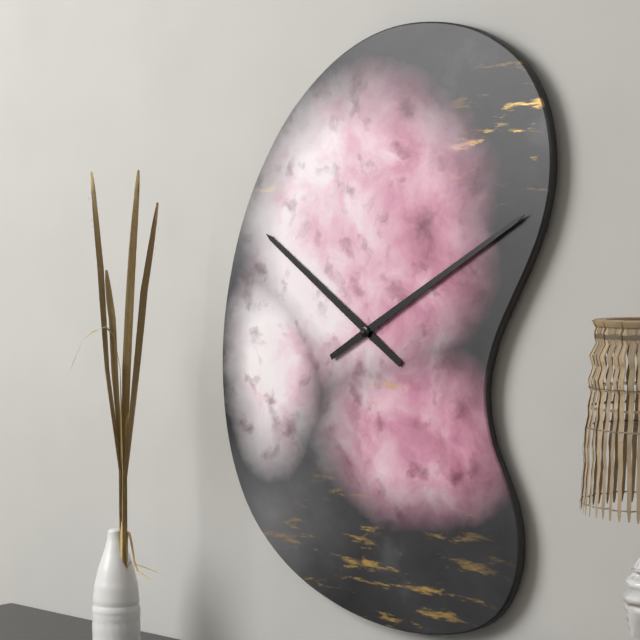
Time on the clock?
10:10
